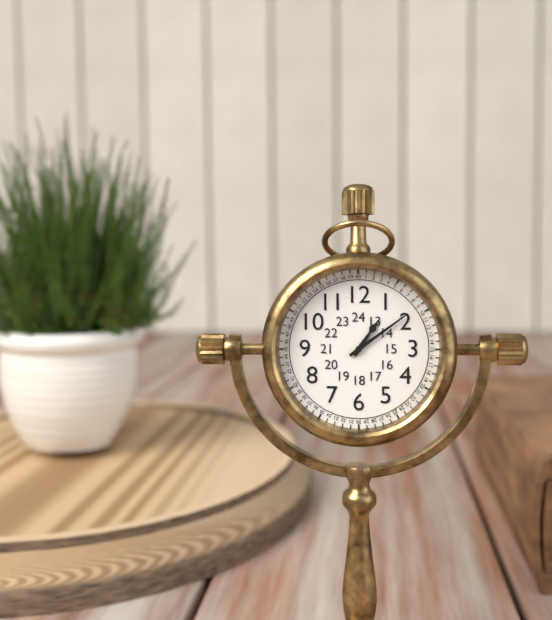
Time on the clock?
1:09
